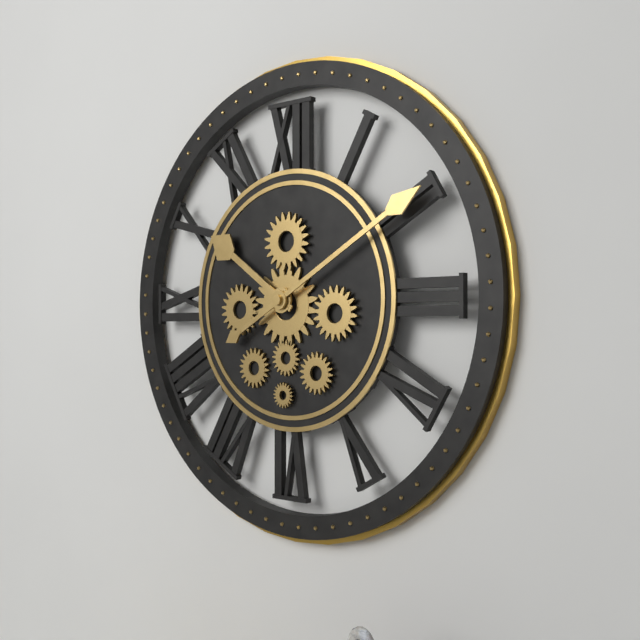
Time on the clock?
10:10
